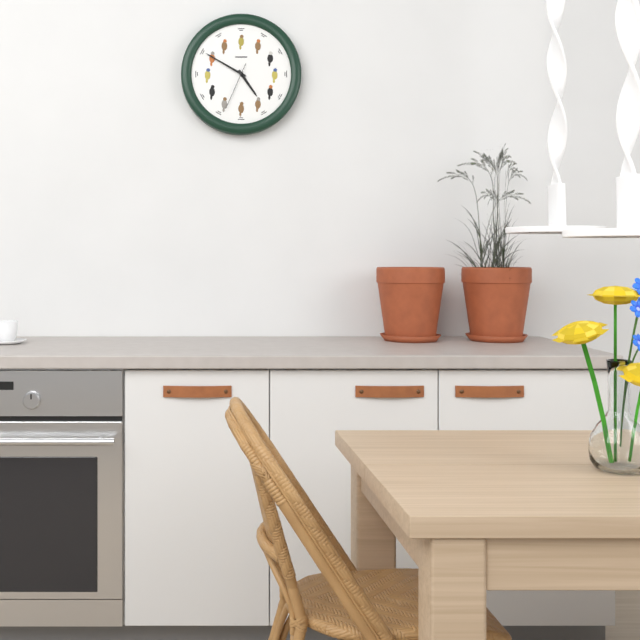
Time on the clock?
4:50
